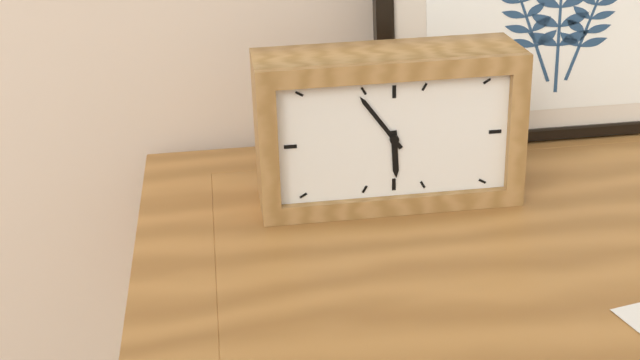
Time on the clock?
5:54
